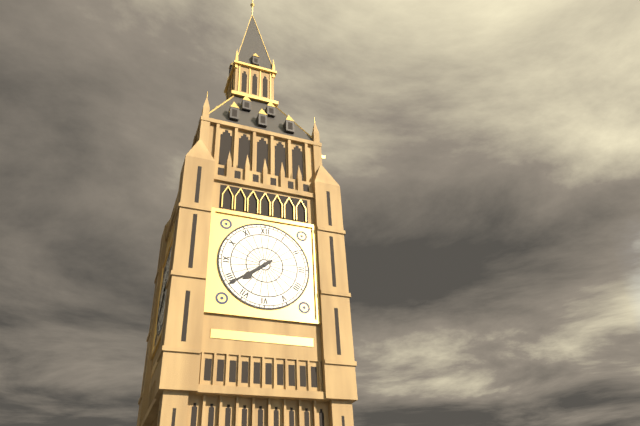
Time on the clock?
7:39
